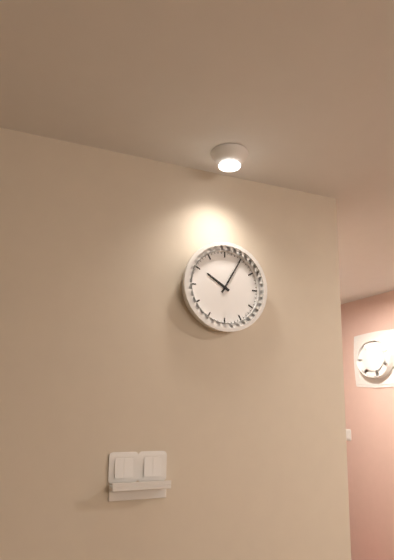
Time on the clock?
10:05
